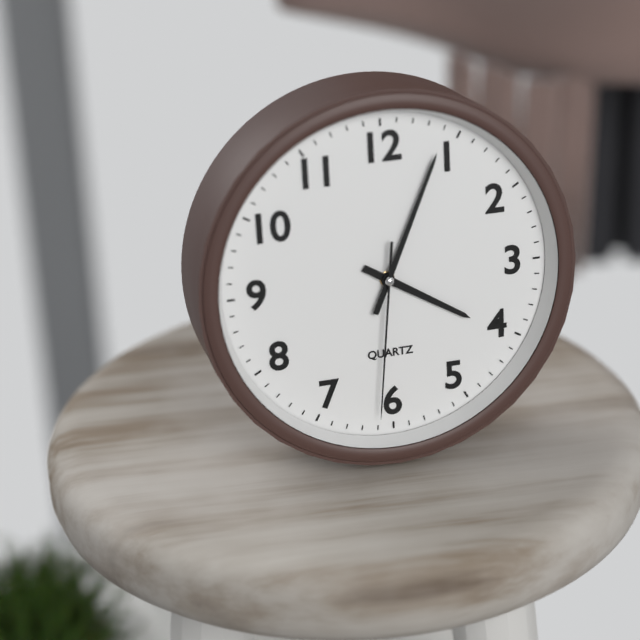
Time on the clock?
4:04:31
